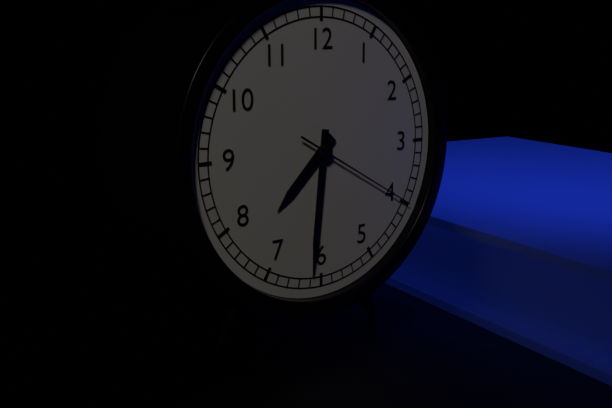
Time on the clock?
7:31:20
